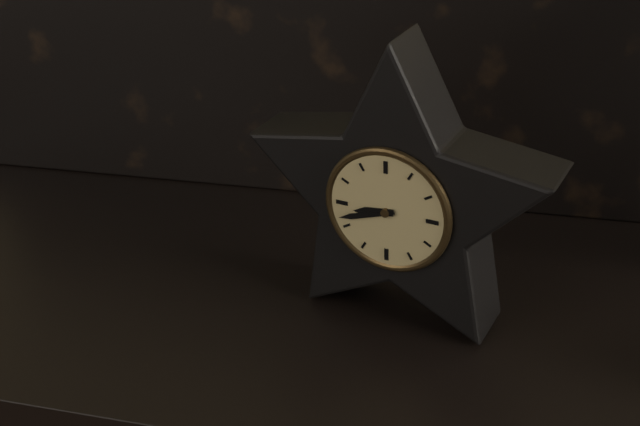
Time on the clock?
8:42
